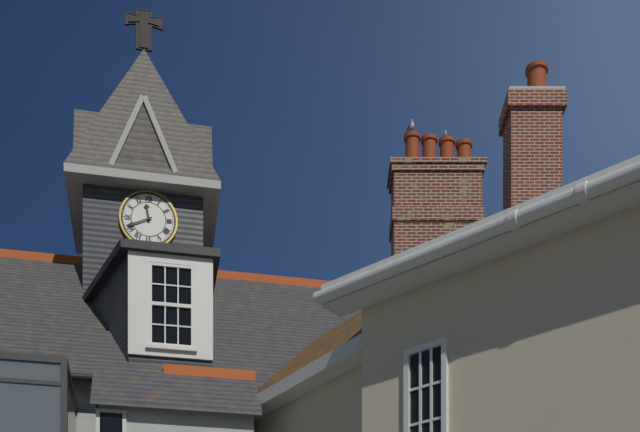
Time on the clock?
11:41
